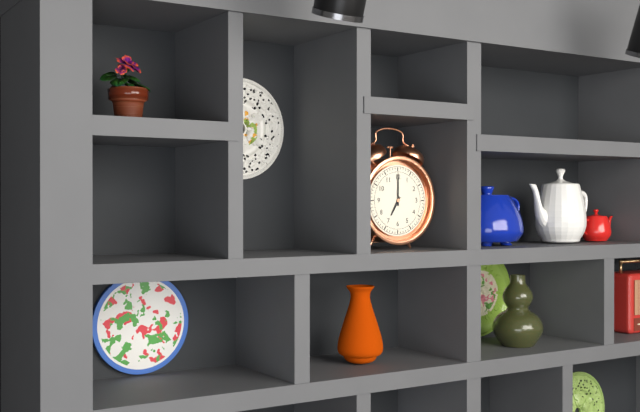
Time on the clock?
7:00
